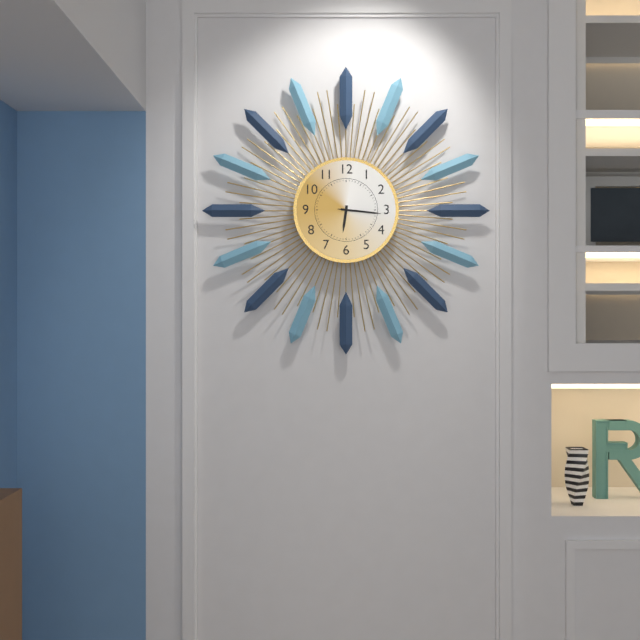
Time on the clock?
6:16
